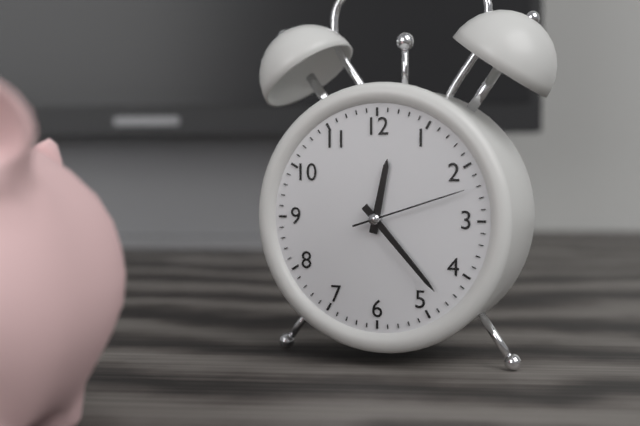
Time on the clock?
12:23:12
